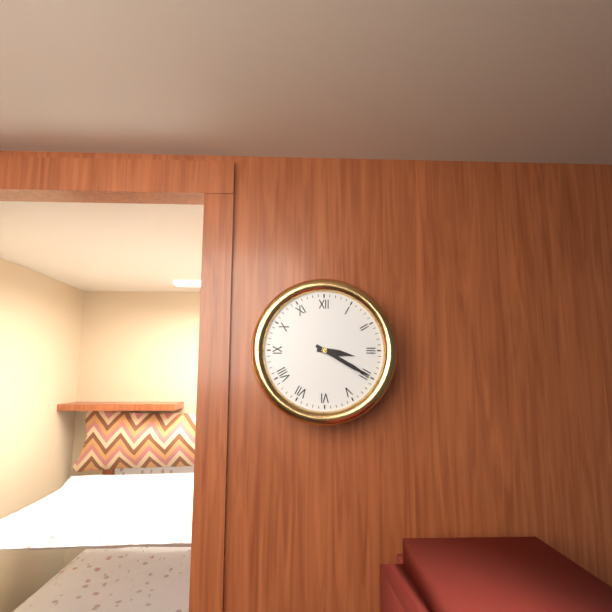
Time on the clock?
3:20
